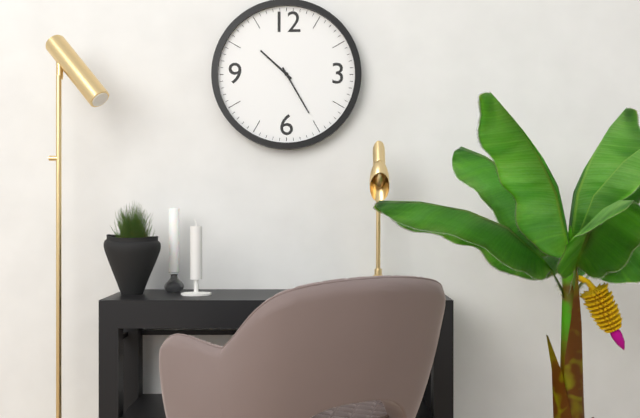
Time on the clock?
10:25
